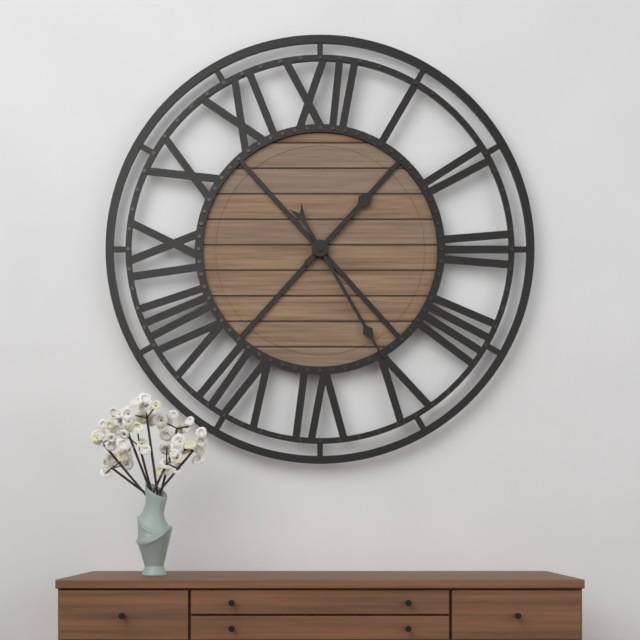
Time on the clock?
1:25
